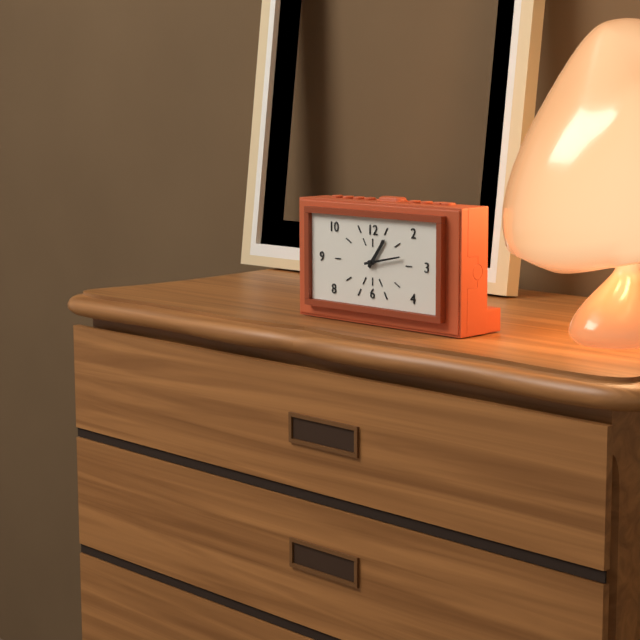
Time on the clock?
1:13
